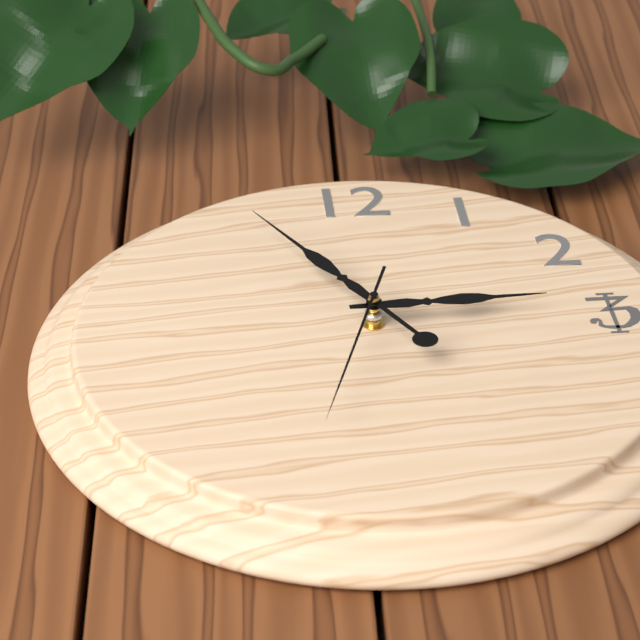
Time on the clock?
2:55:33
